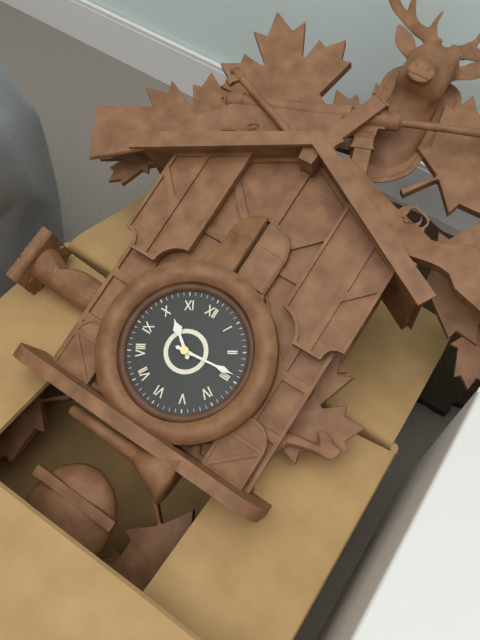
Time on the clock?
10:14
